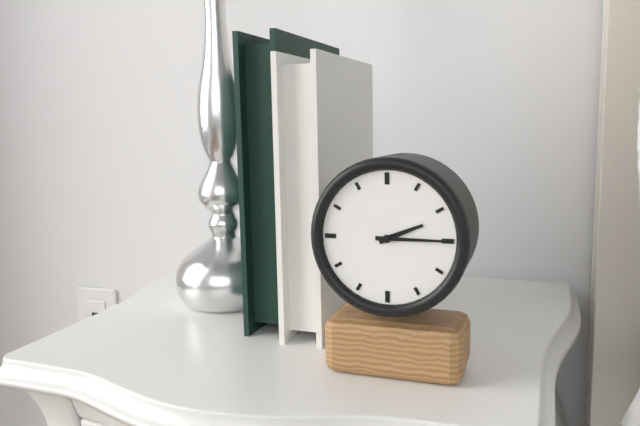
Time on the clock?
2:15
